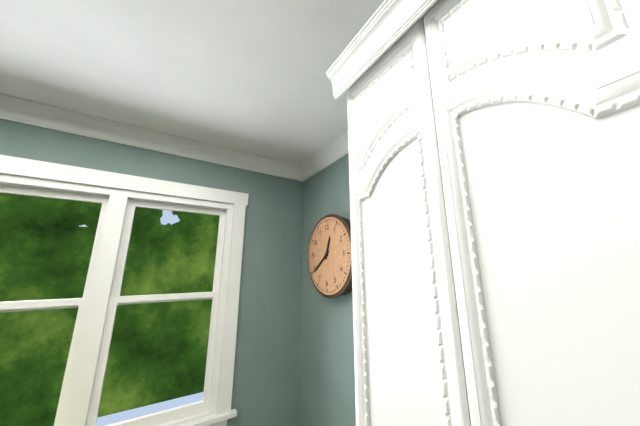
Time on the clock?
12:39
